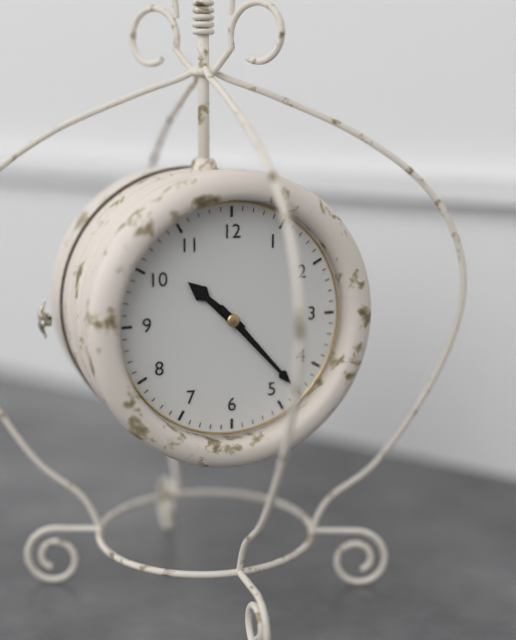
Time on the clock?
10:23
